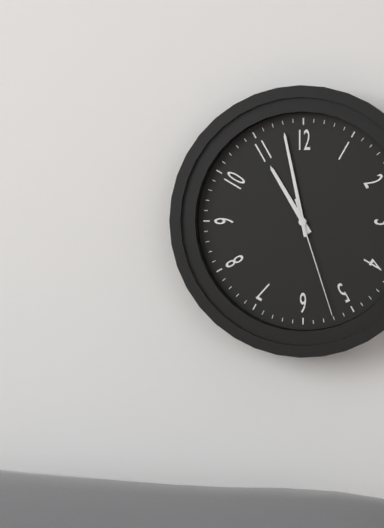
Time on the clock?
10:58:27
